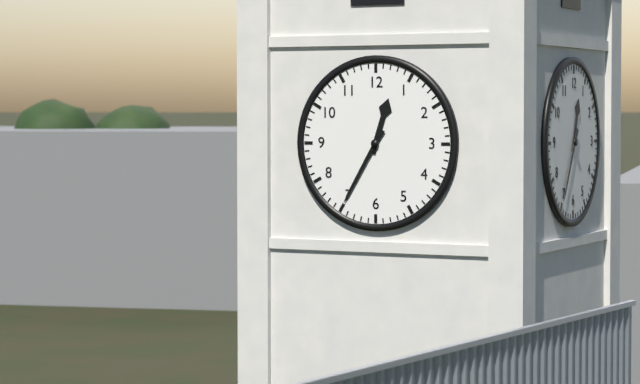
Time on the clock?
12:35
